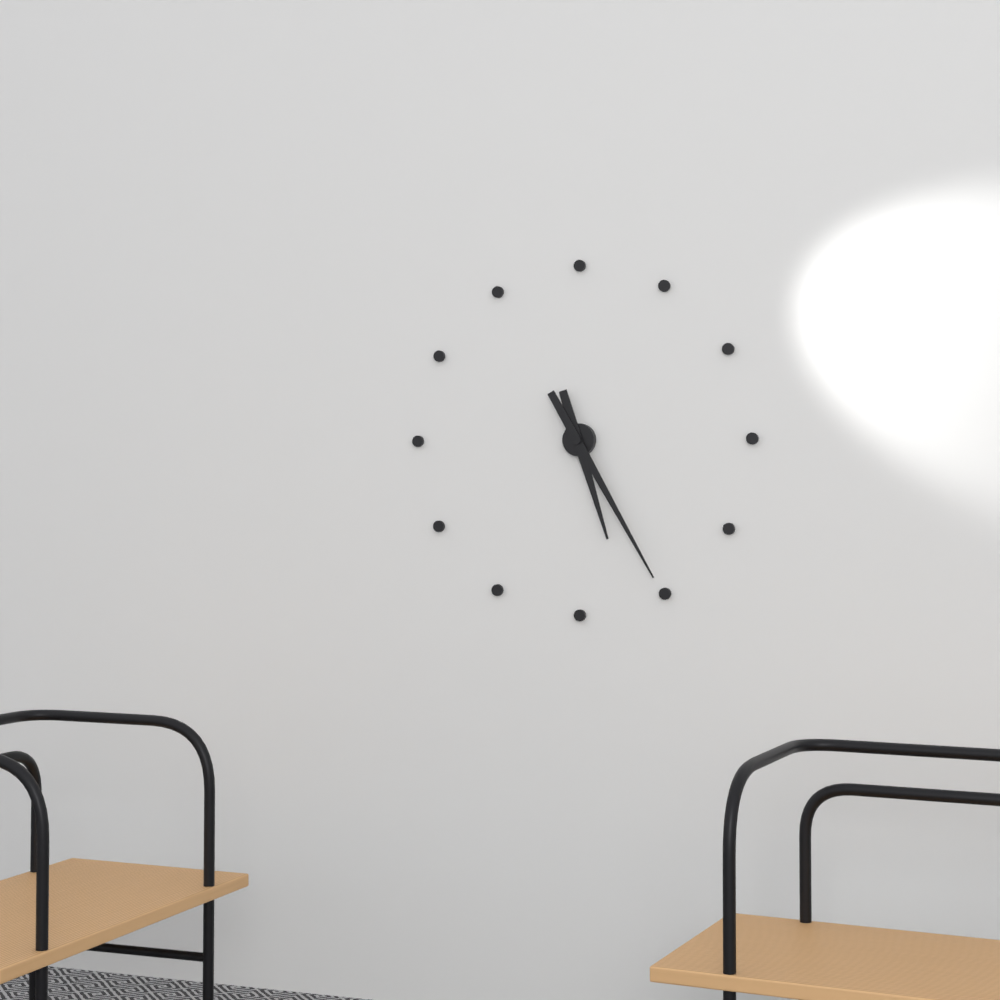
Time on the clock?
5:25
